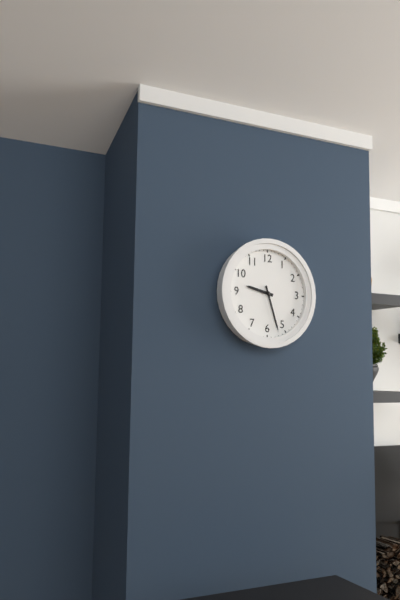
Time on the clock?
9:27
